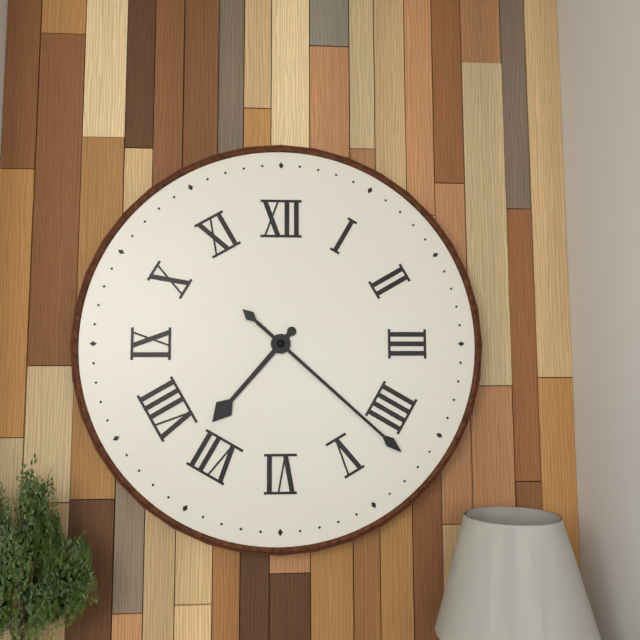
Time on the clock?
7:22
